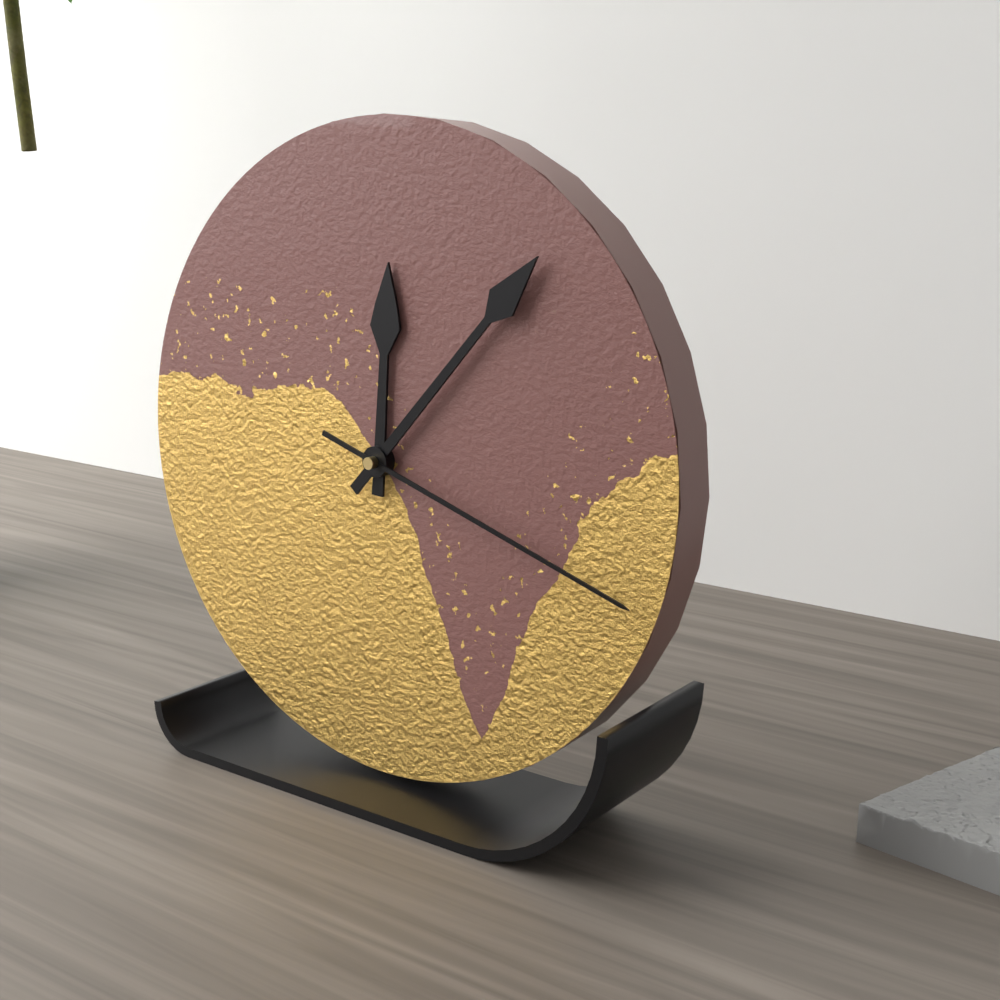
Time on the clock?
12:07:18
